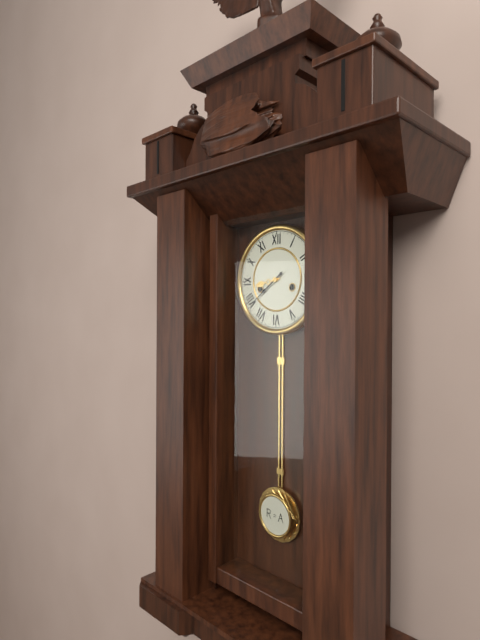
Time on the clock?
8:39
